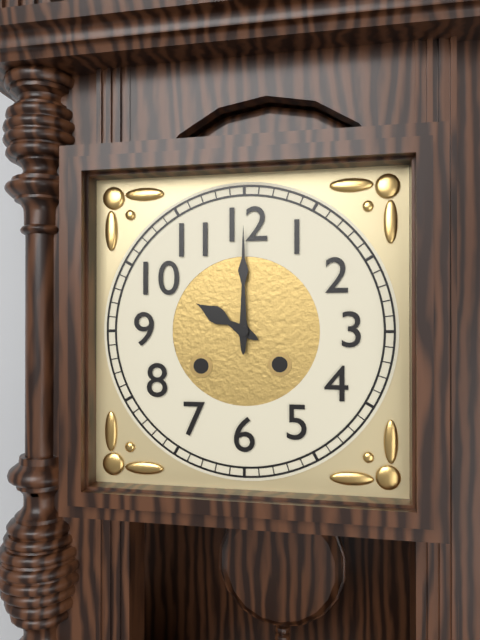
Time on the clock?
10:00
